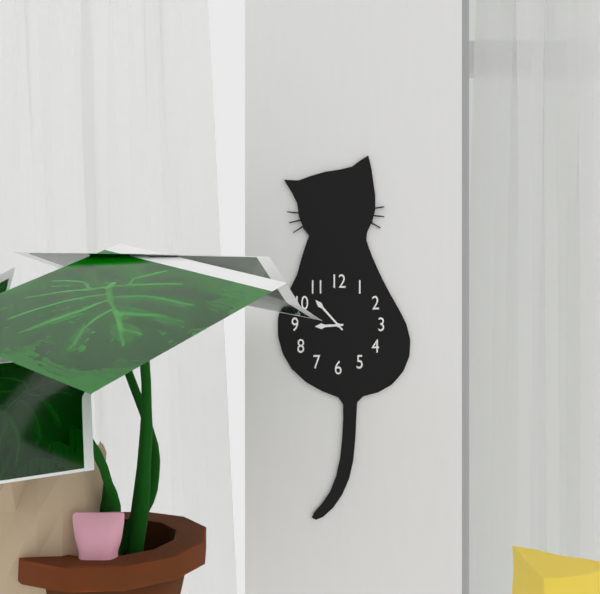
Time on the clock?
8:53
